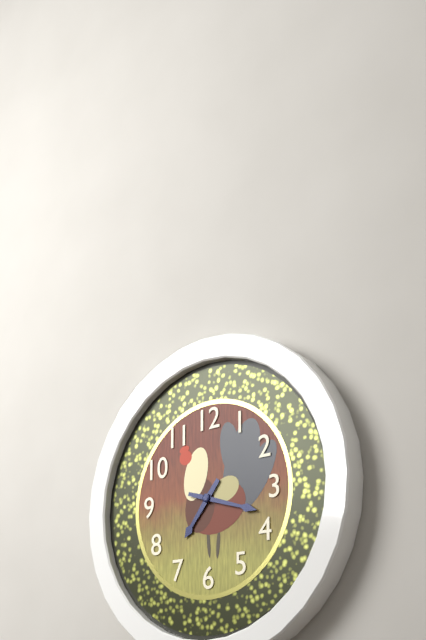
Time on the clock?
7:18
